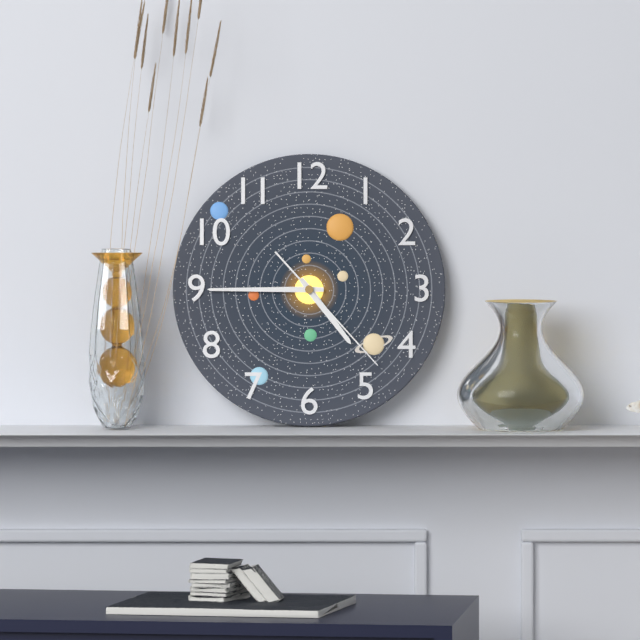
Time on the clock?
4:45:23
